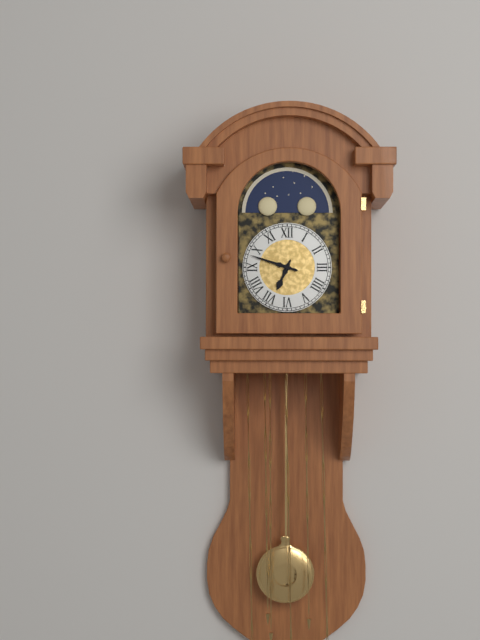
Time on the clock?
6:48
